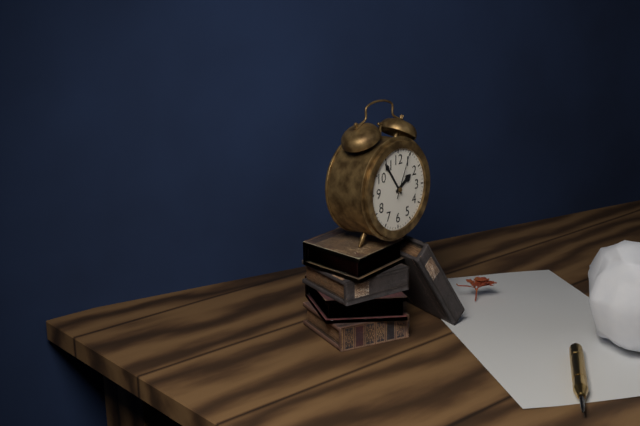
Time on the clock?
1:54
